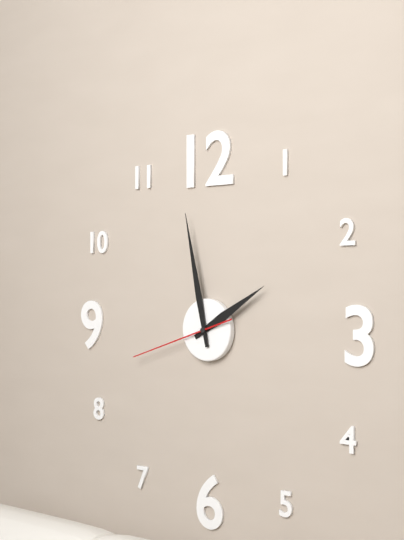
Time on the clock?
1:58:42
